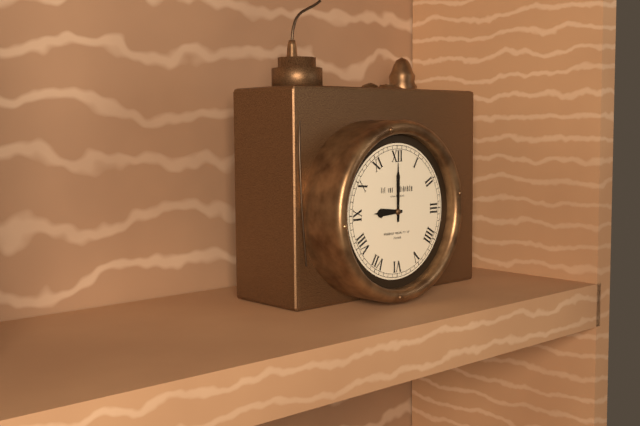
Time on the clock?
9:00
